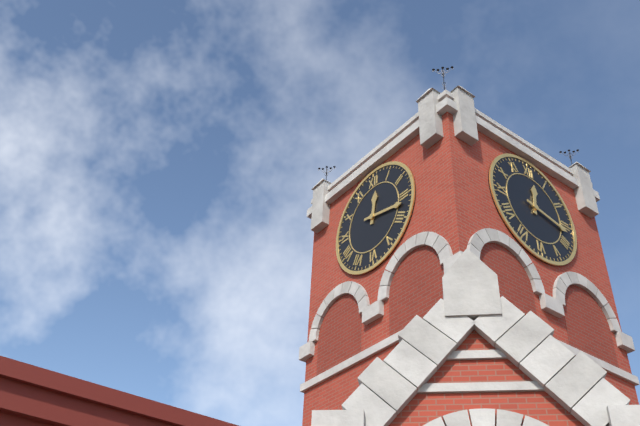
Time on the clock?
12:17
